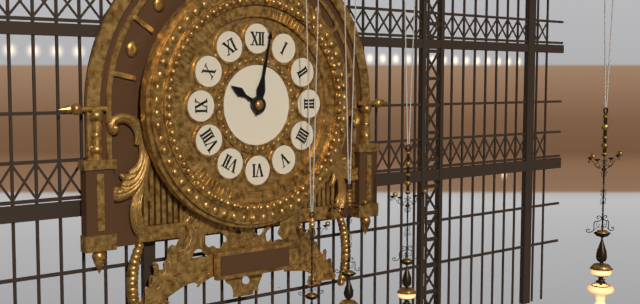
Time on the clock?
10:02
